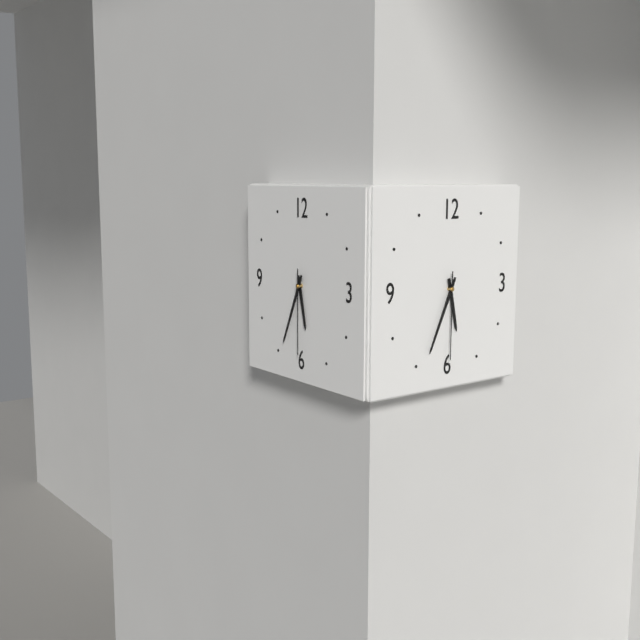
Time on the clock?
5:34:30
